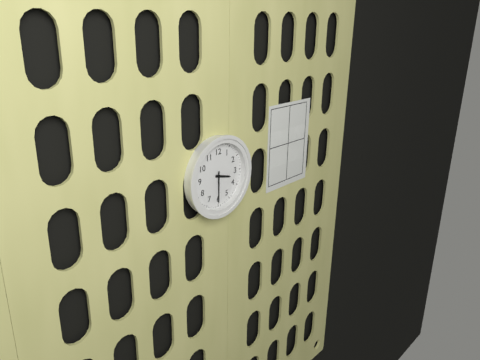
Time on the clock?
3:30
